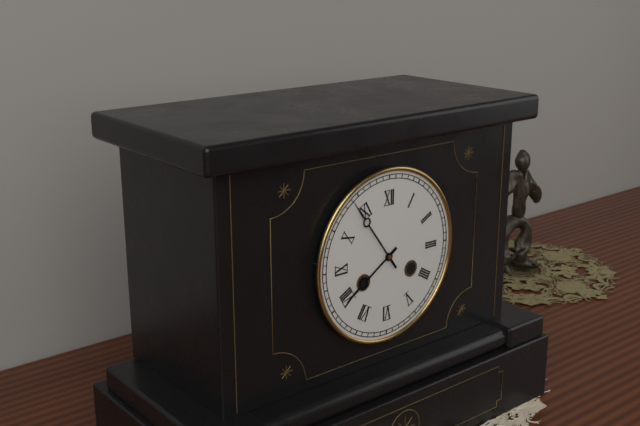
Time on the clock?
7:54
